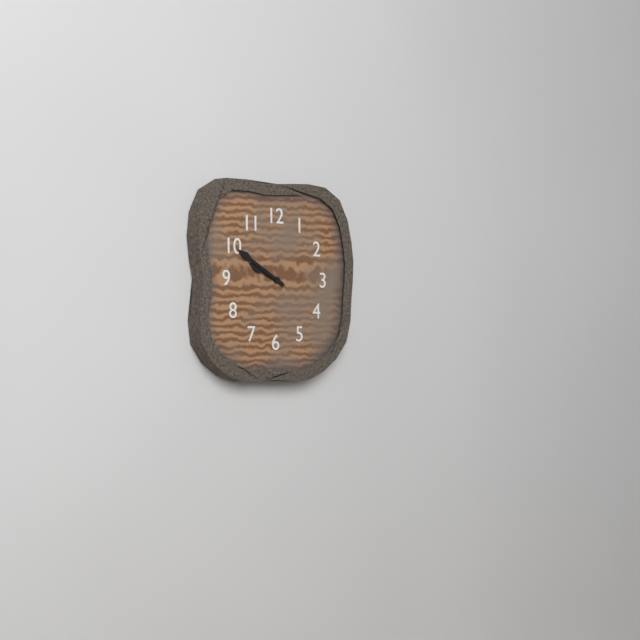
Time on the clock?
9:50
